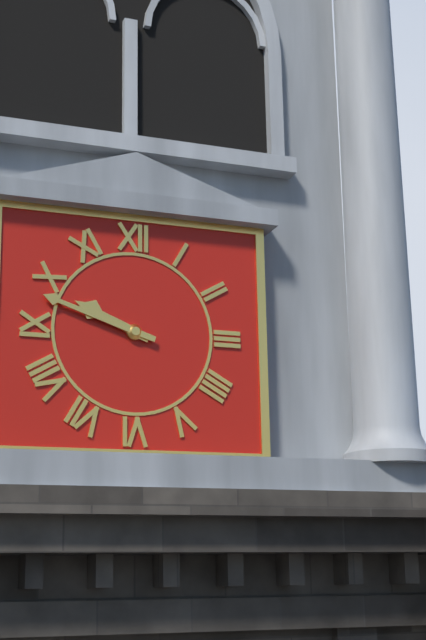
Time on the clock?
9:48
